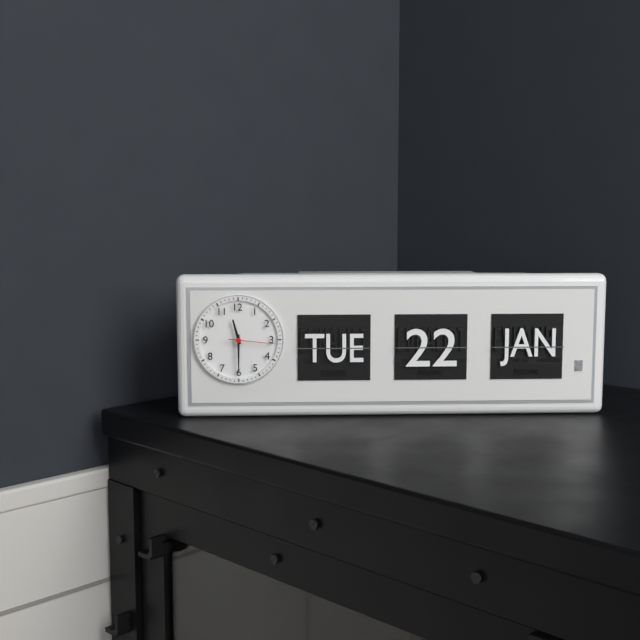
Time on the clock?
11:30
